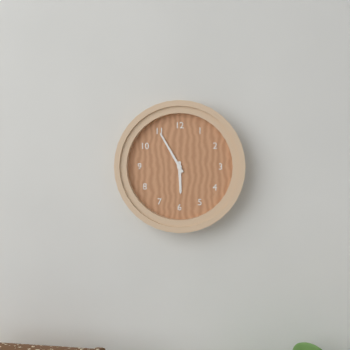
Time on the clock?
5:55
